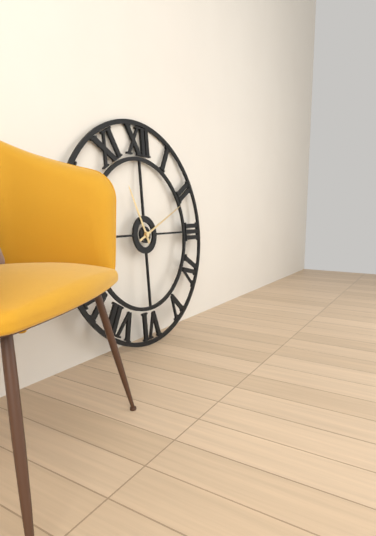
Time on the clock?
11:11
